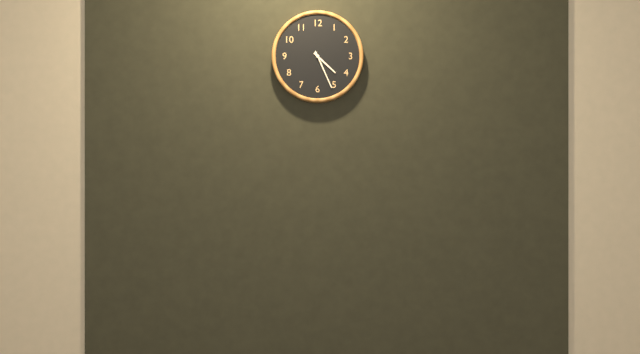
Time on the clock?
4:26
